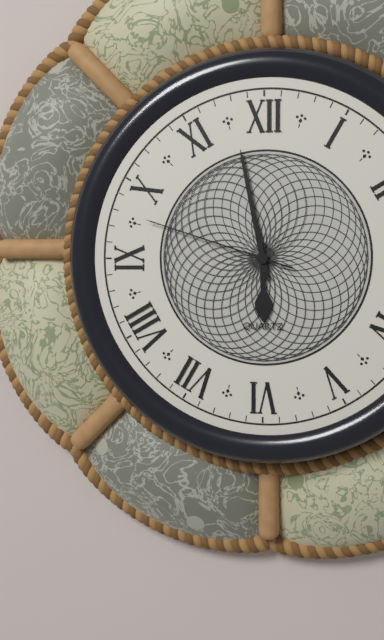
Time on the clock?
5:58:48
